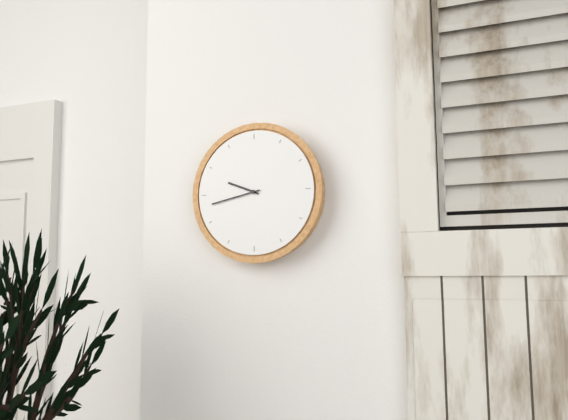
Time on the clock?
9:43
